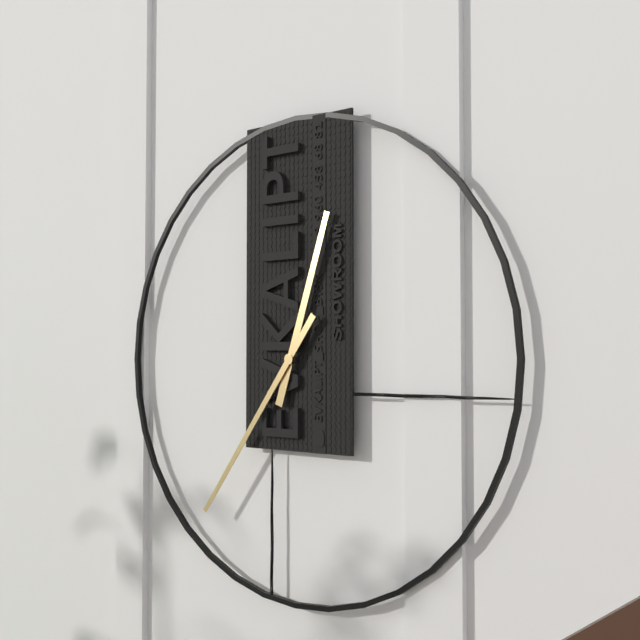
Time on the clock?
12:36
